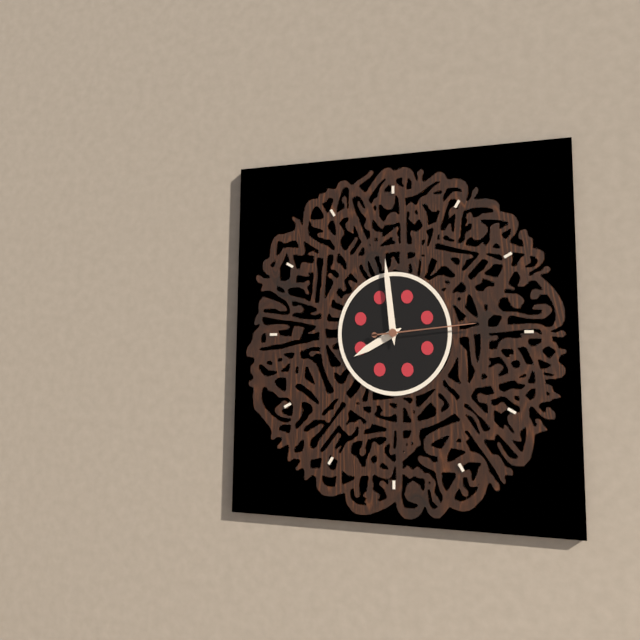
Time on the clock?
7:59:14
